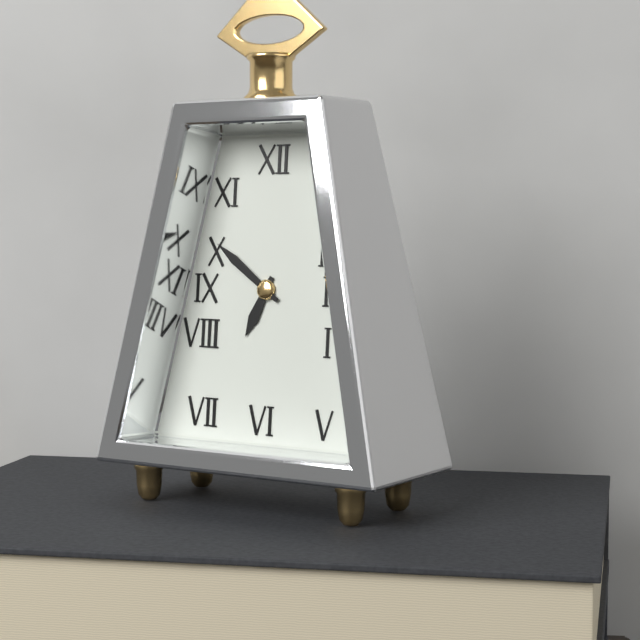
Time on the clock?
6:51
